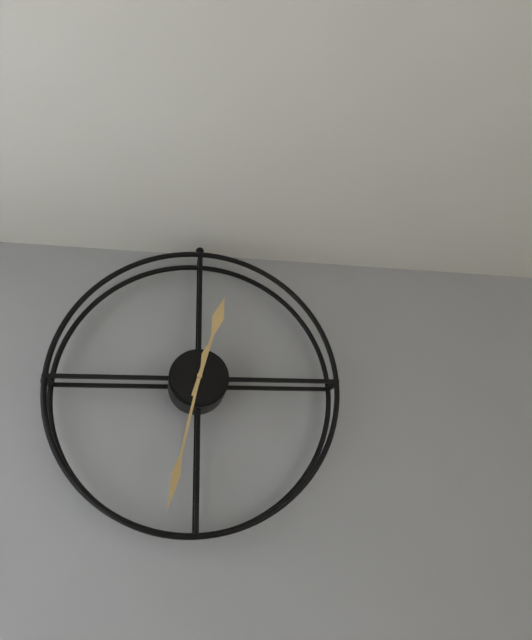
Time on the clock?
12:32
